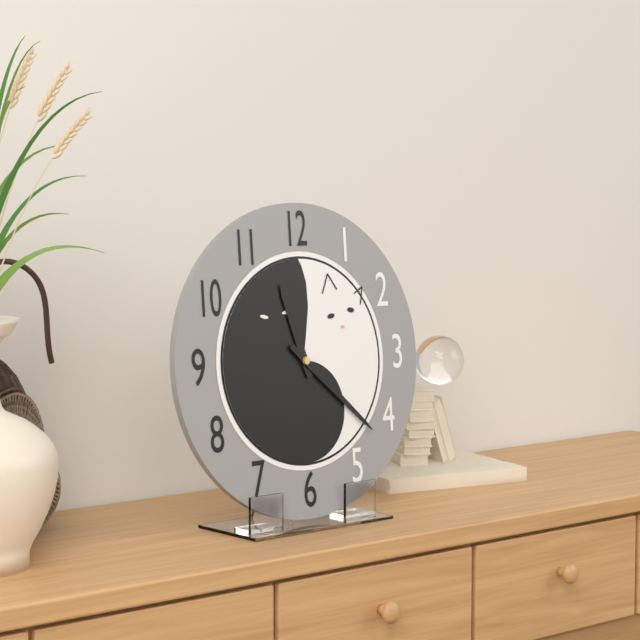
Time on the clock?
11:22
